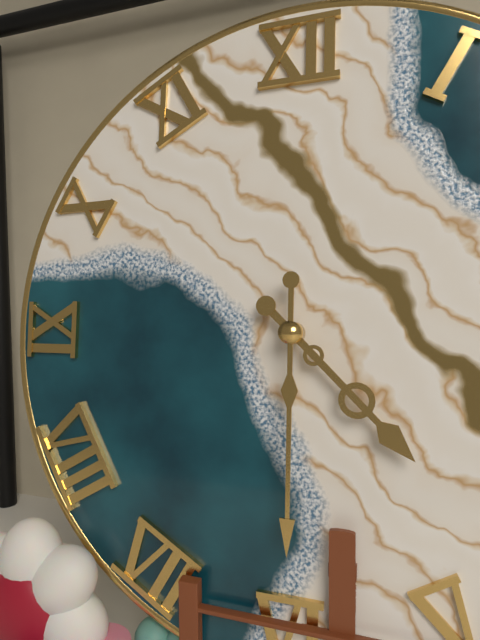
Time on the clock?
4:30
